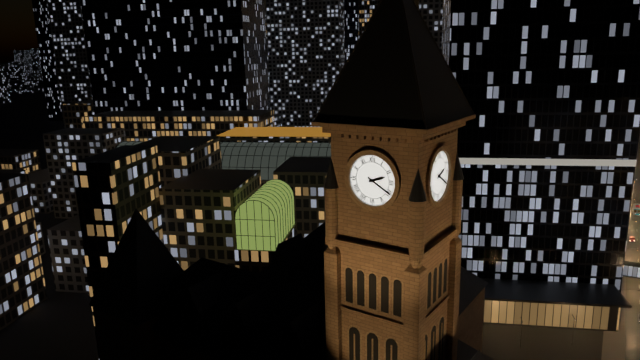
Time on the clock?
2:20
